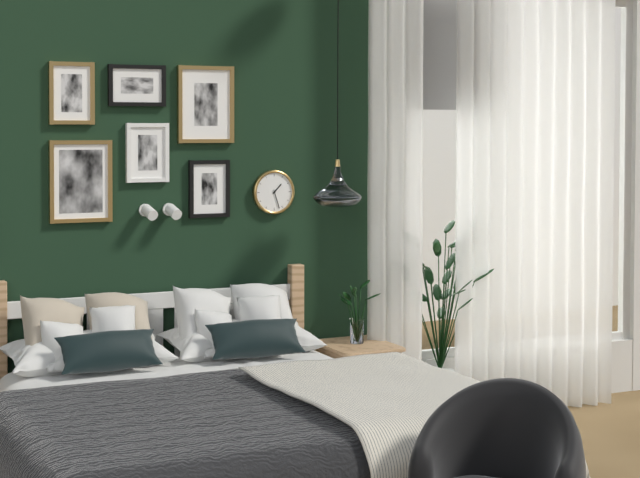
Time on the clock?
1:27
